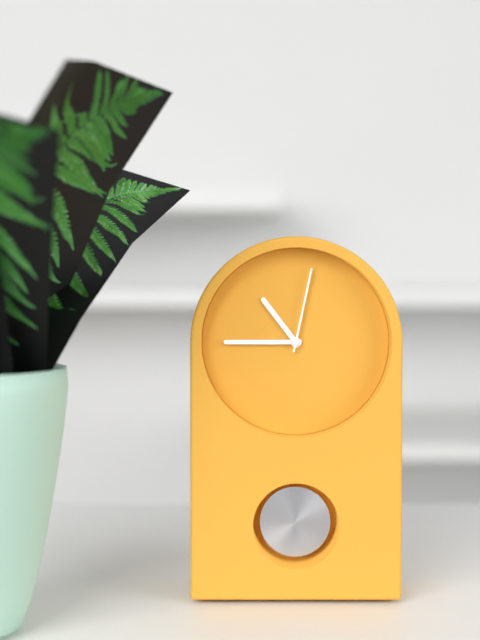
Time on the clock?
10:45:02
